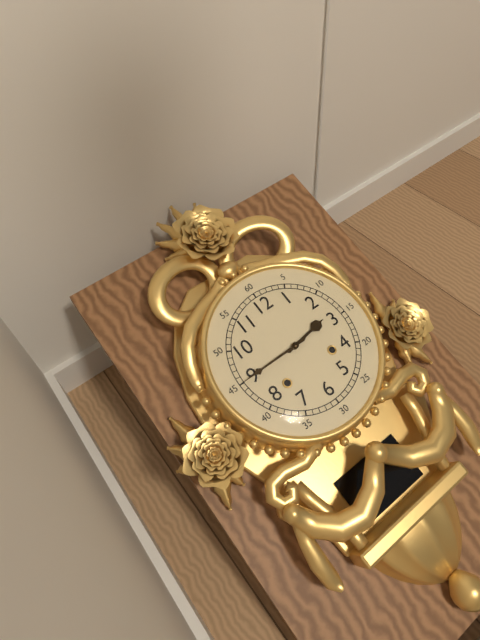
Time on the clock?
2:45
